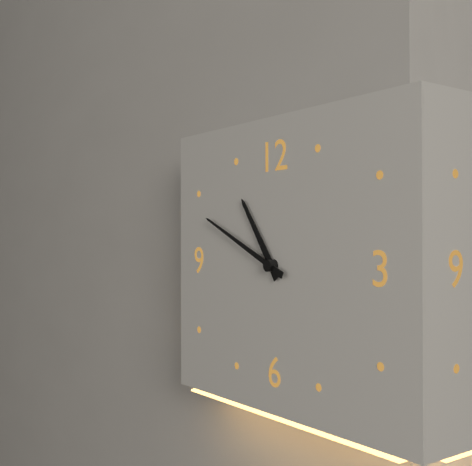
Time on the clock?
10:49
